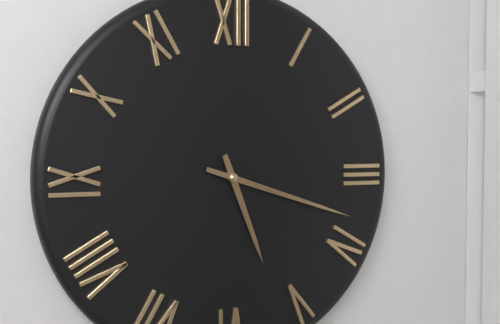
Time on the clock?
5:18
